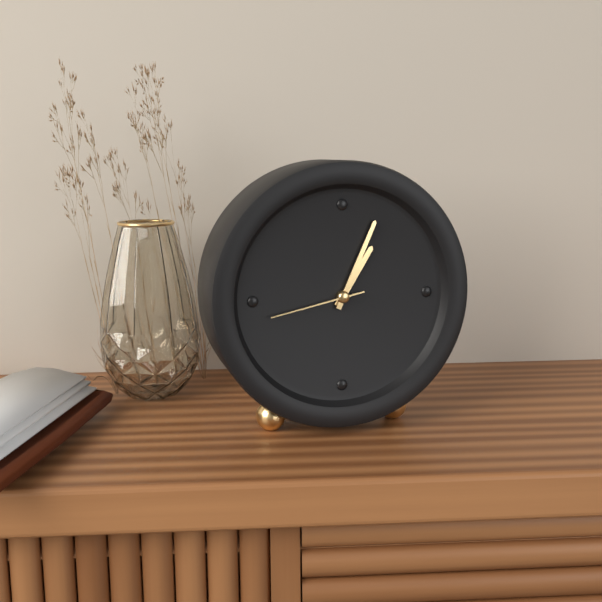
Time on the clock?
1:04:43
